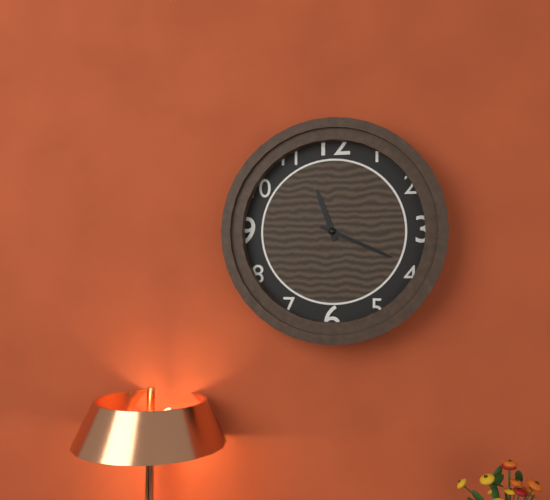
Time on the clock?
11:19
